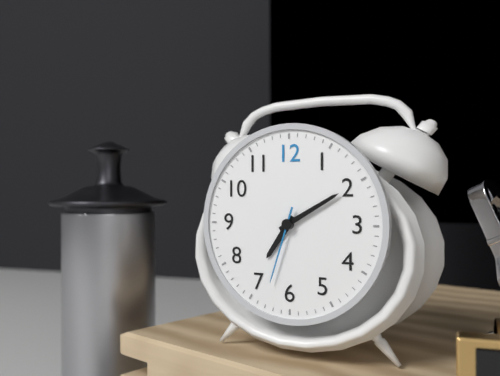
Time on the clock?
7:10:33
